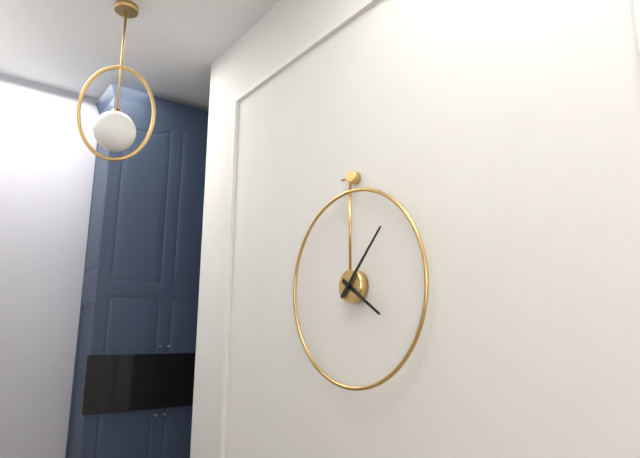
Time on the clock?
4:07
